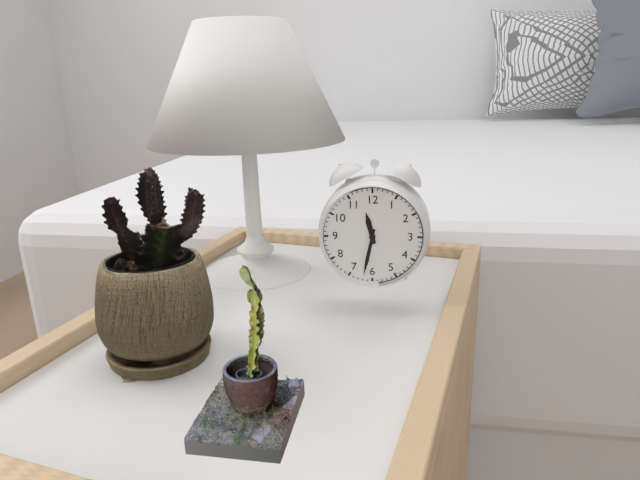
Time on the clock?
11:32
